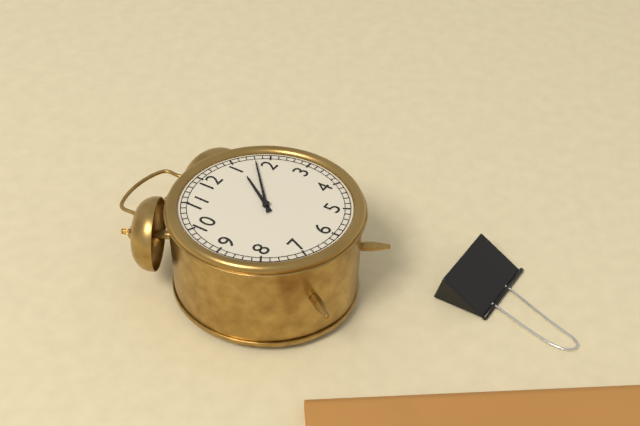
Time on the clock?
1:08
